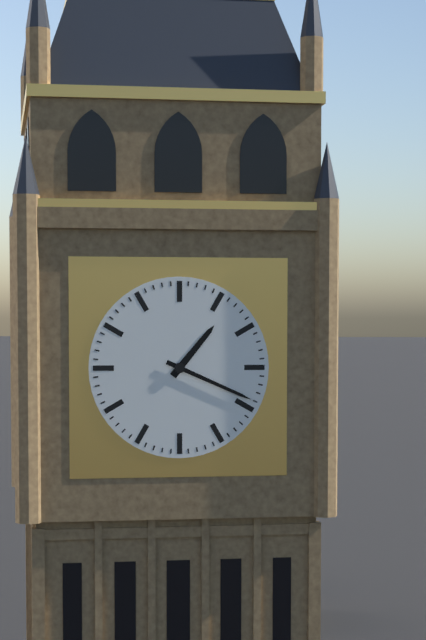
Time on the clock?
1:19
